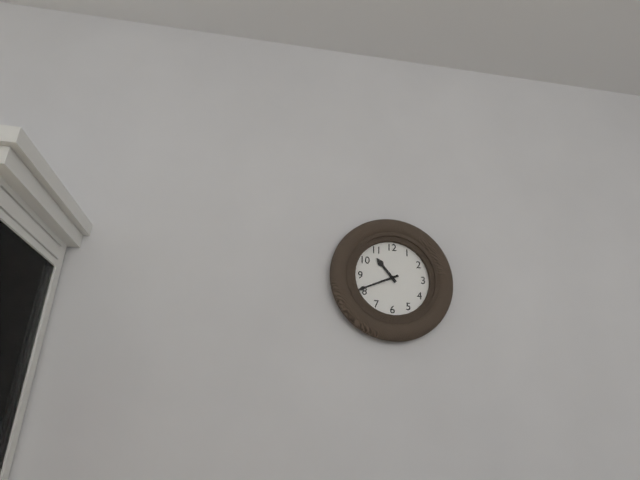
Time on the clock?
10:41
